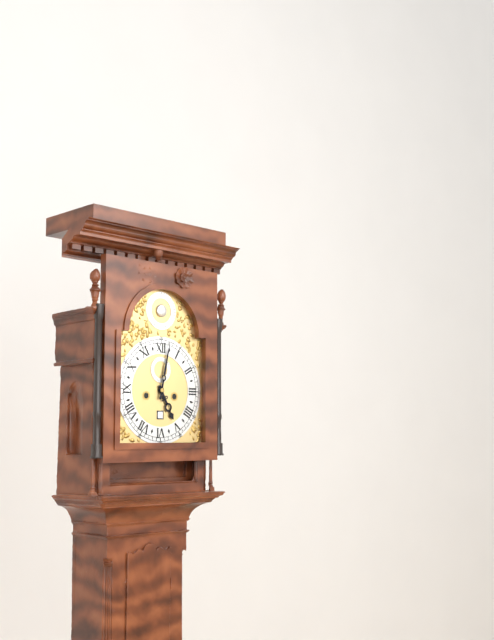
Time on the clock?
5:02
